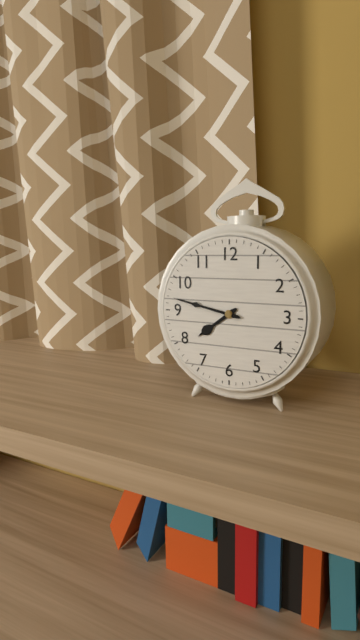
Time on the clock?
7:47
